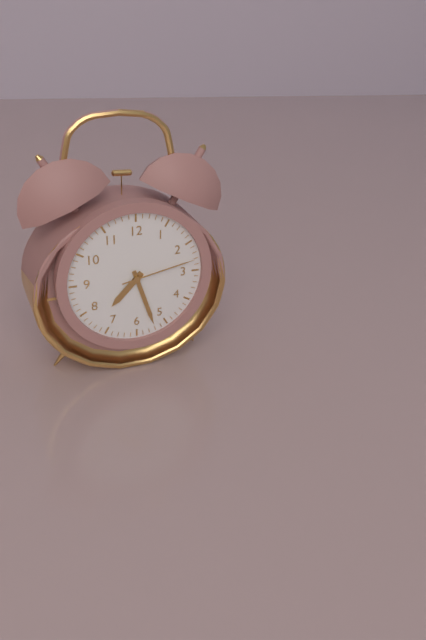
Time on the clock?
7:27:13
